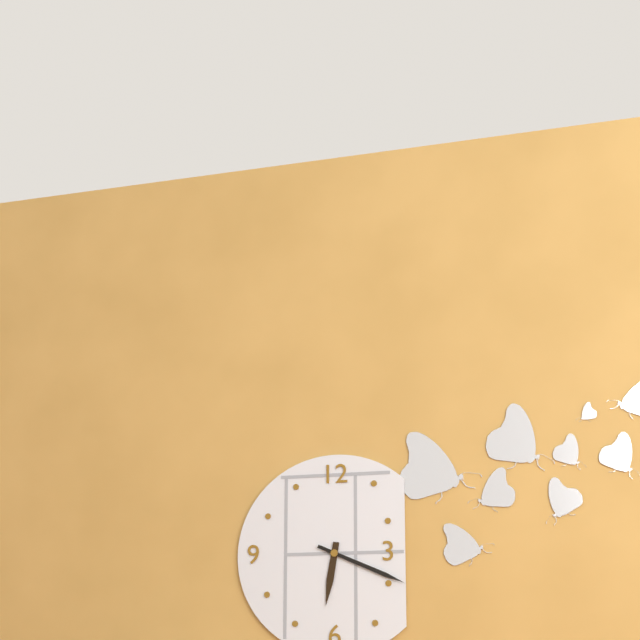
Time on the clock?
6:19
